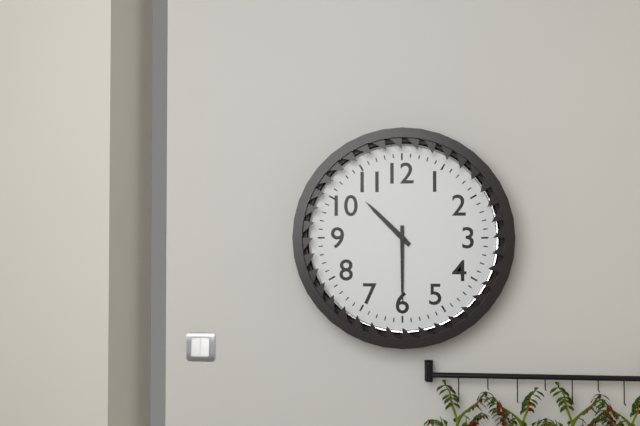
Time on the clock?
10:30
